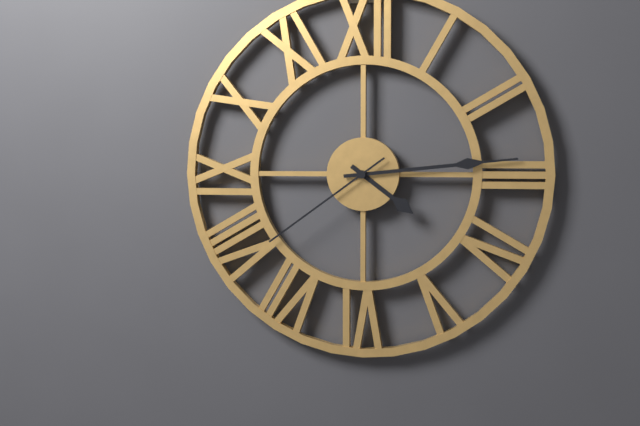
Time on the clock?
4:14:39
